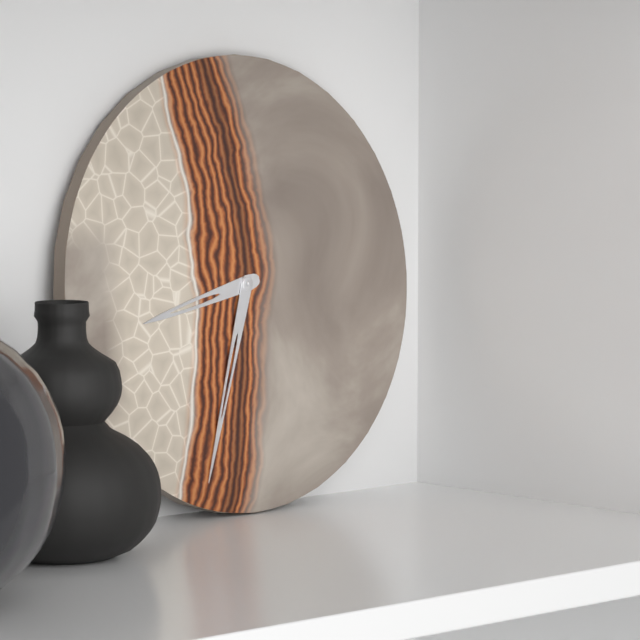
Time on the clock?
8:33
